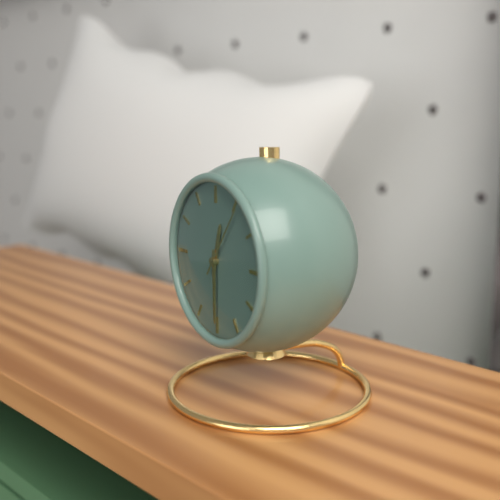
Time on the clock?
12:30:06
